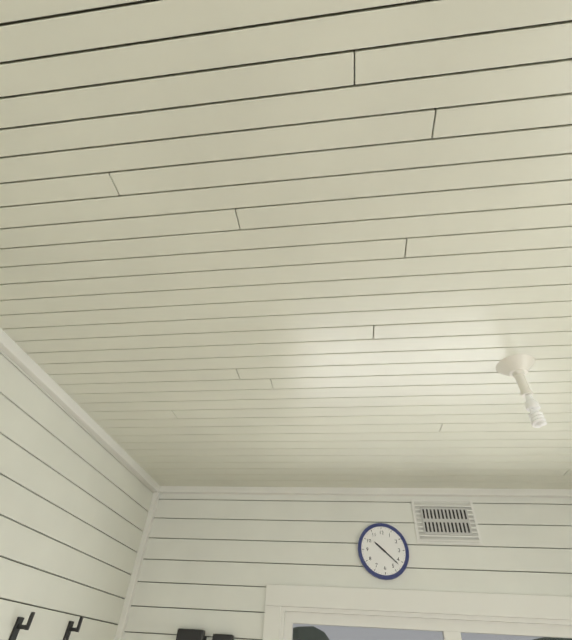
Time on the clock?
10:22
